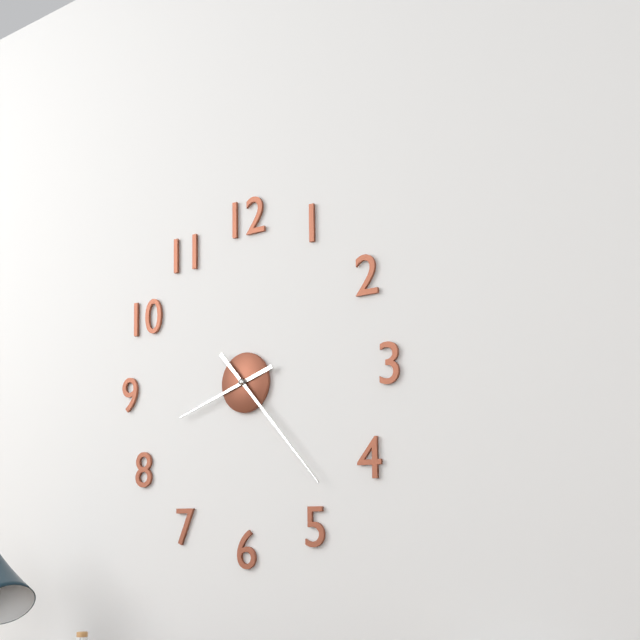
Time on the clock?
8:23
